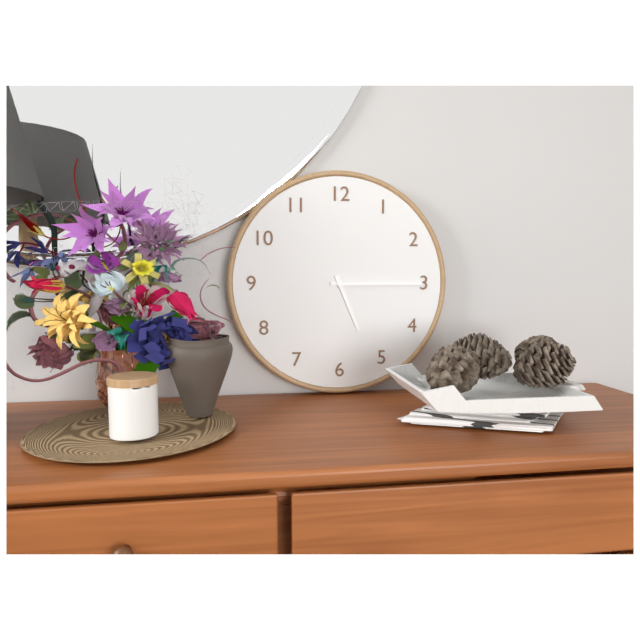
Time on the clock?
5:15
